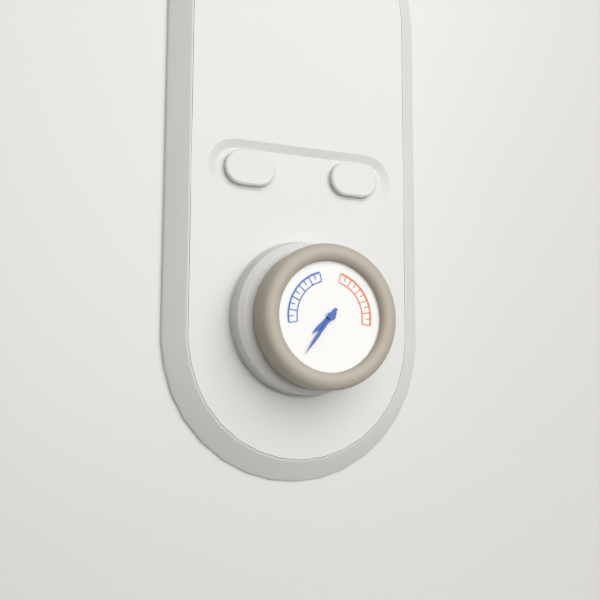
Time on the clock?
7:36
